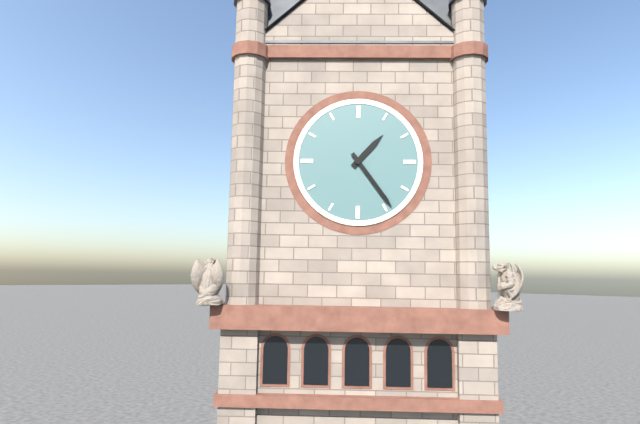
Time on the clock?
1:24
